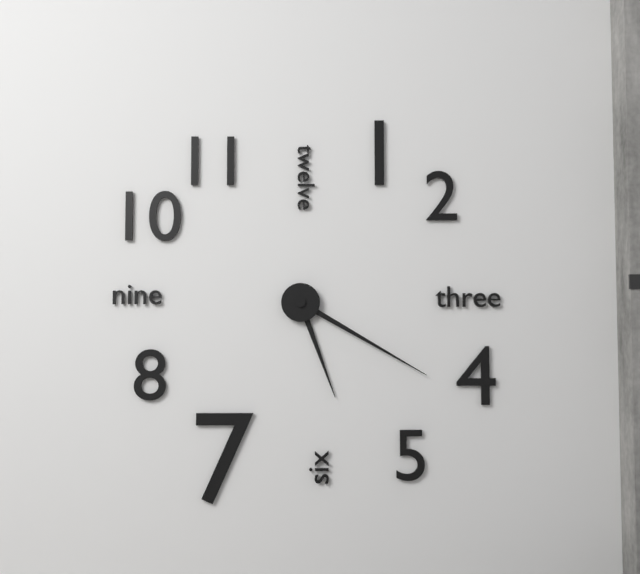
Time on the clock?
5:20
